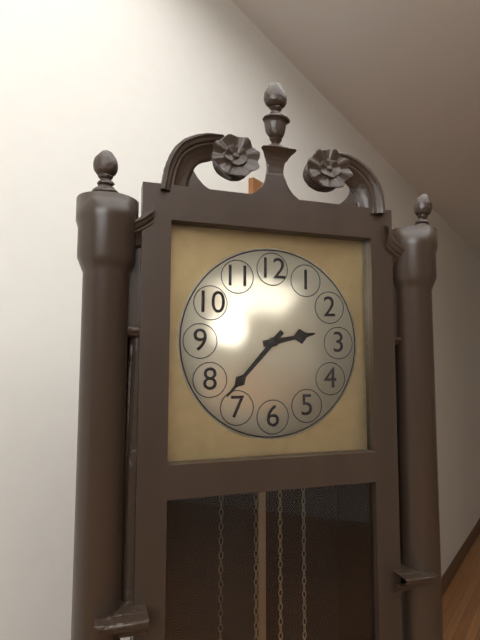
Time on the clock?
2:37
